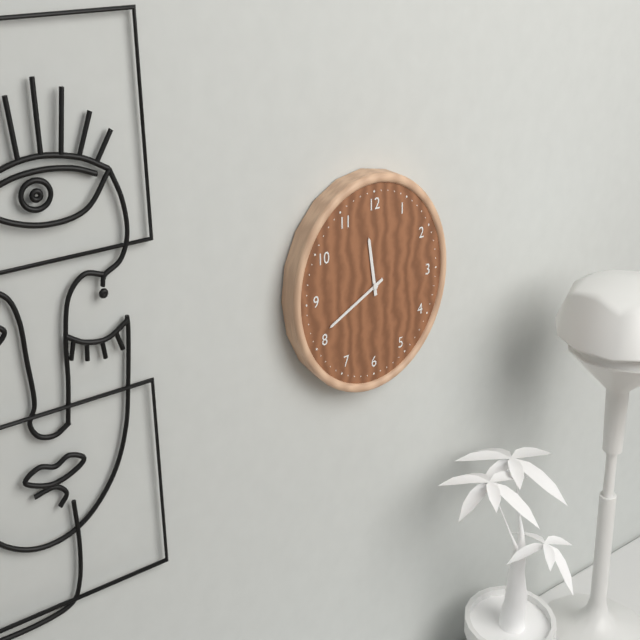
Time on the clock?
11:41
